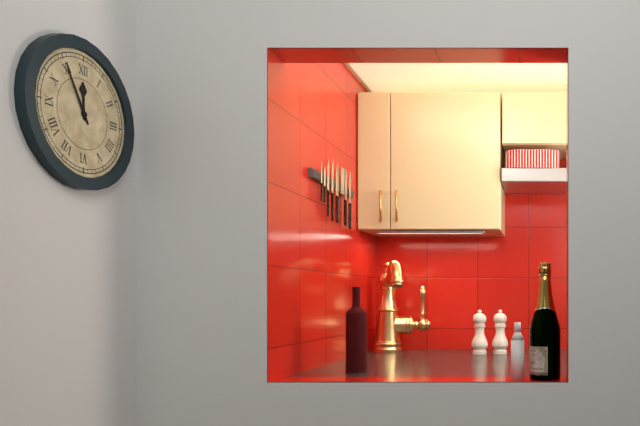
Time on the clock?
11:55
